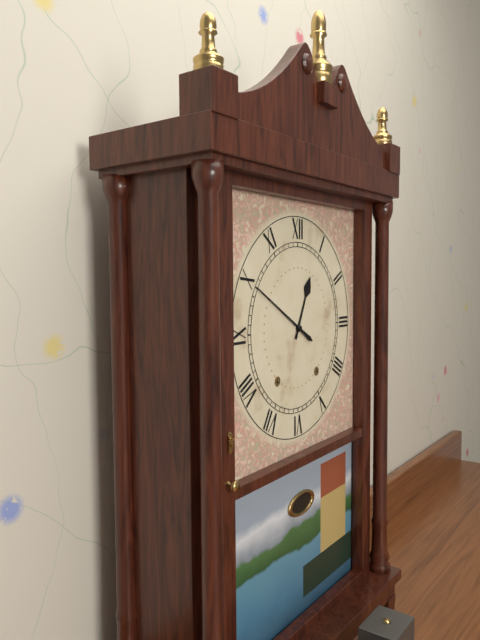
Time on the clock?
12:50
